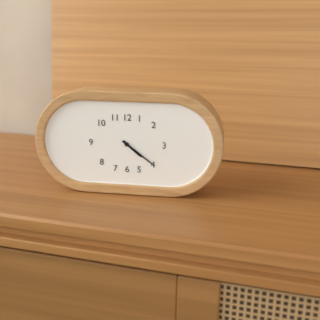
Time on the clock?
4:21
